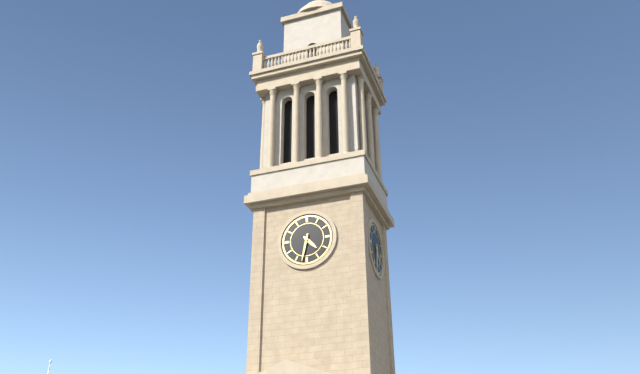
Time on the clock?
4:32
